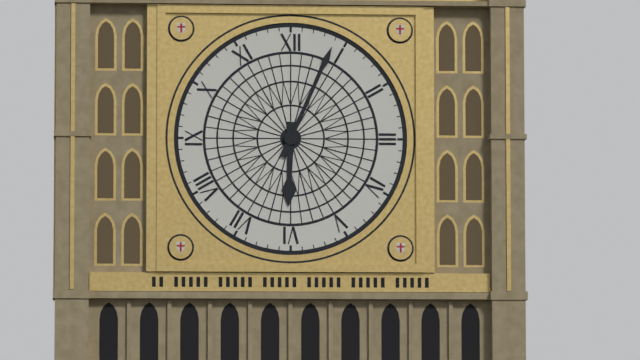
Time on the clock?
6:04
